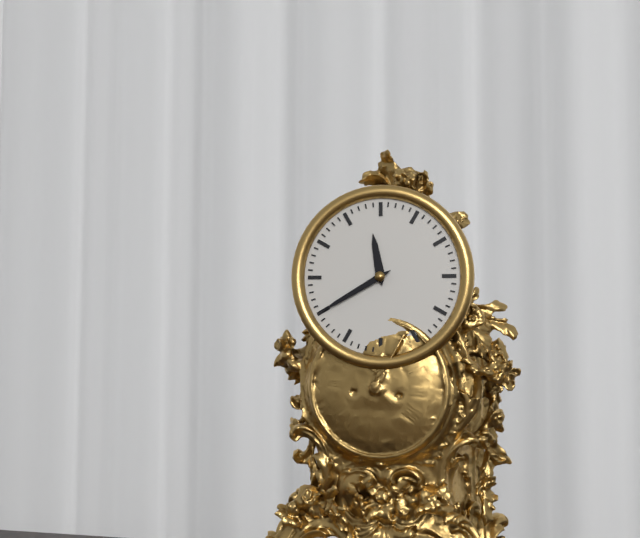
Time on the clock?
11:40
